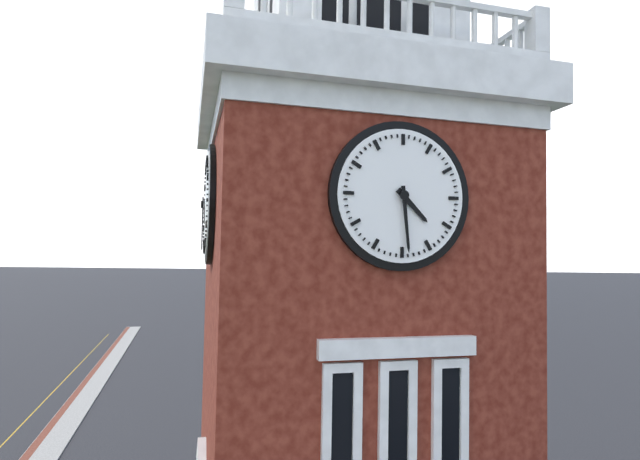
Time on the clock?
4:29
